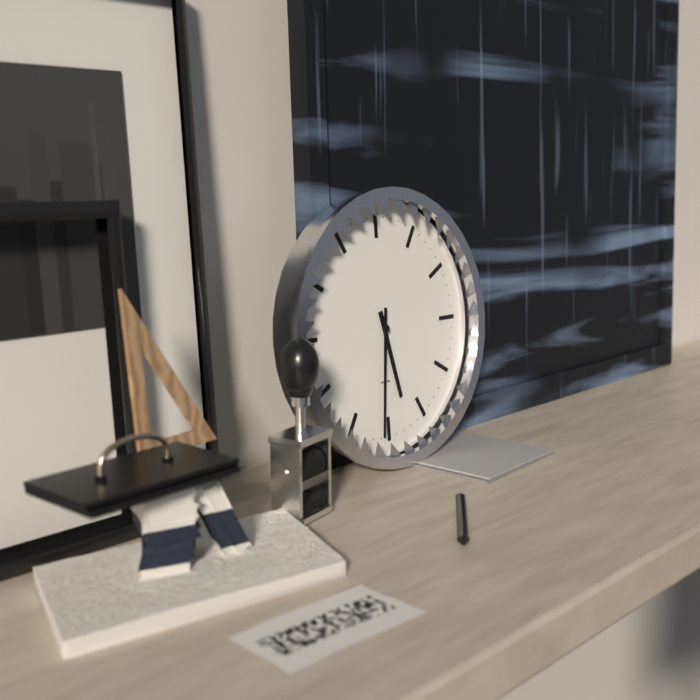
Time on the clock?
5:31
